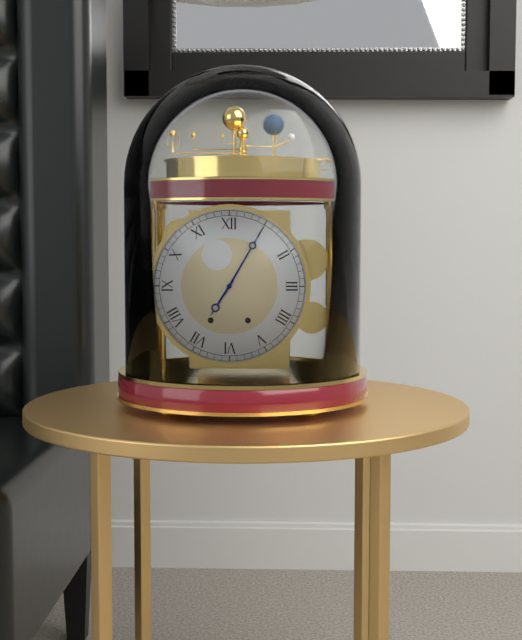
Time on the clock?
7:05
